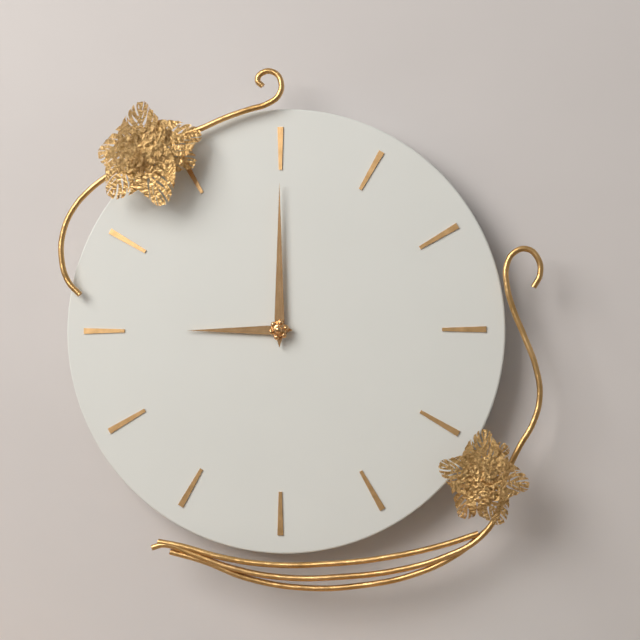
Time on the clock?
9:00
